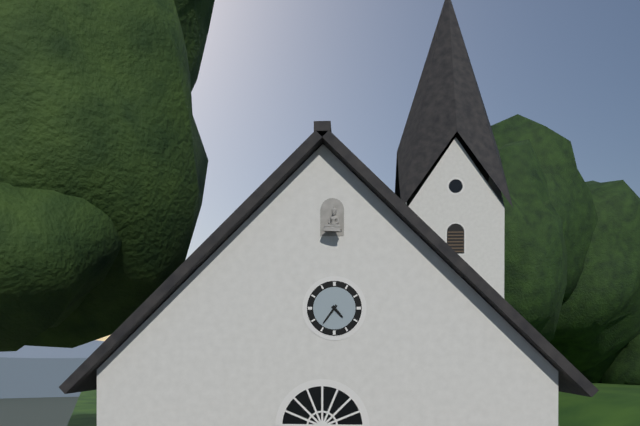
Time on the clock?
4:36
